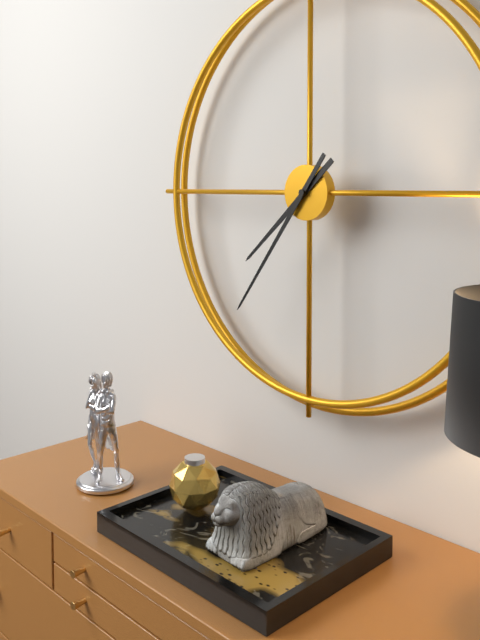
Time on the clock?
7:36
